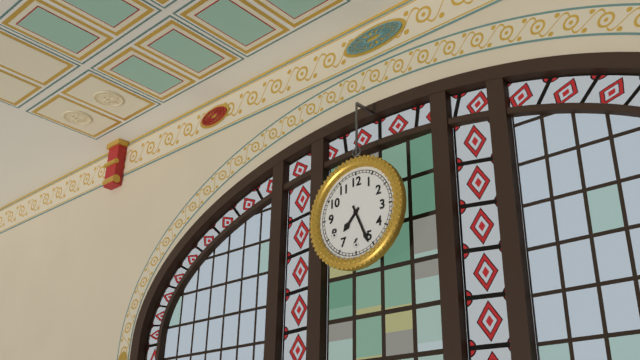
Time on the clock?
7:26
